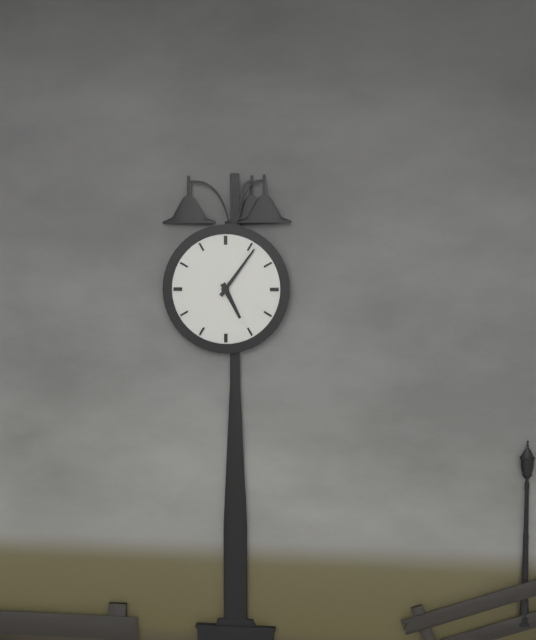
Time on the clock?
5:06
